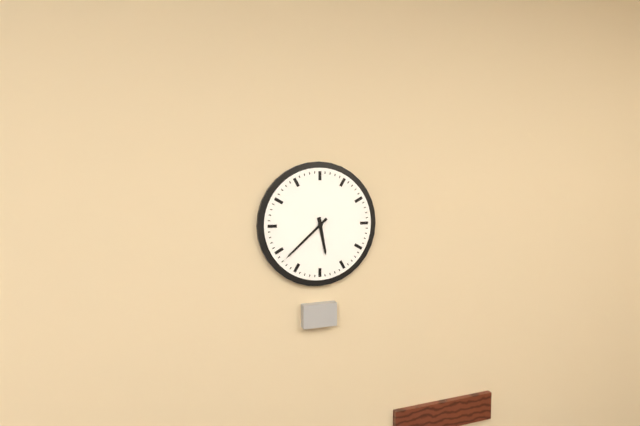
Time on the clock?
5:38
